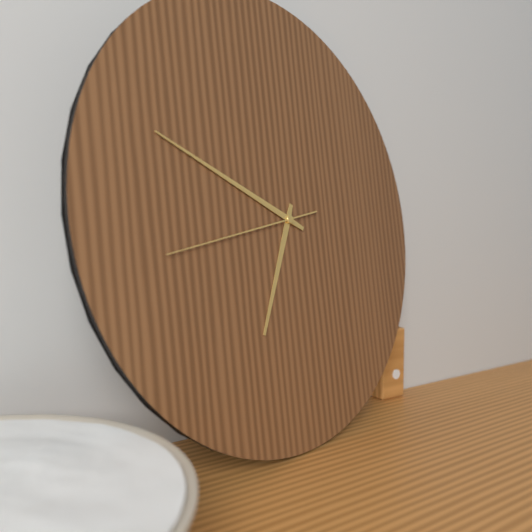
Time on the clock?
6:49:43
